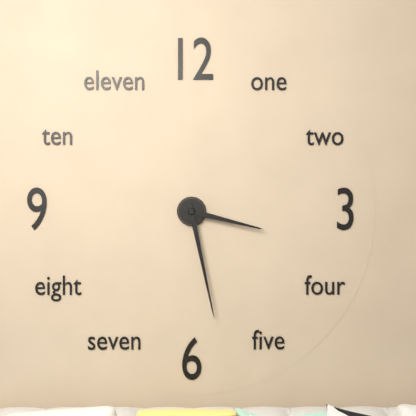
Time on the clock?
3:28
